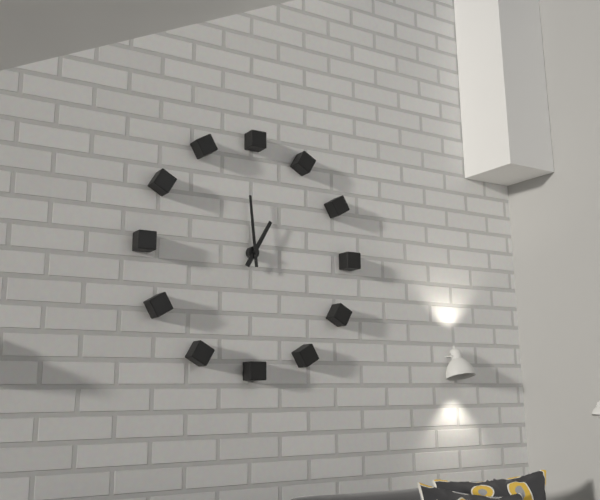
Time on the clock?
12:59
